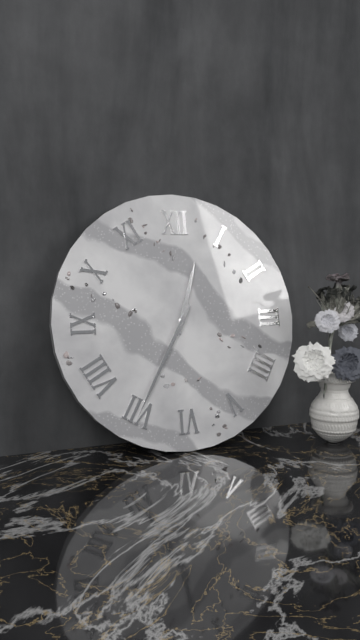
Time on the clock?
12:35
